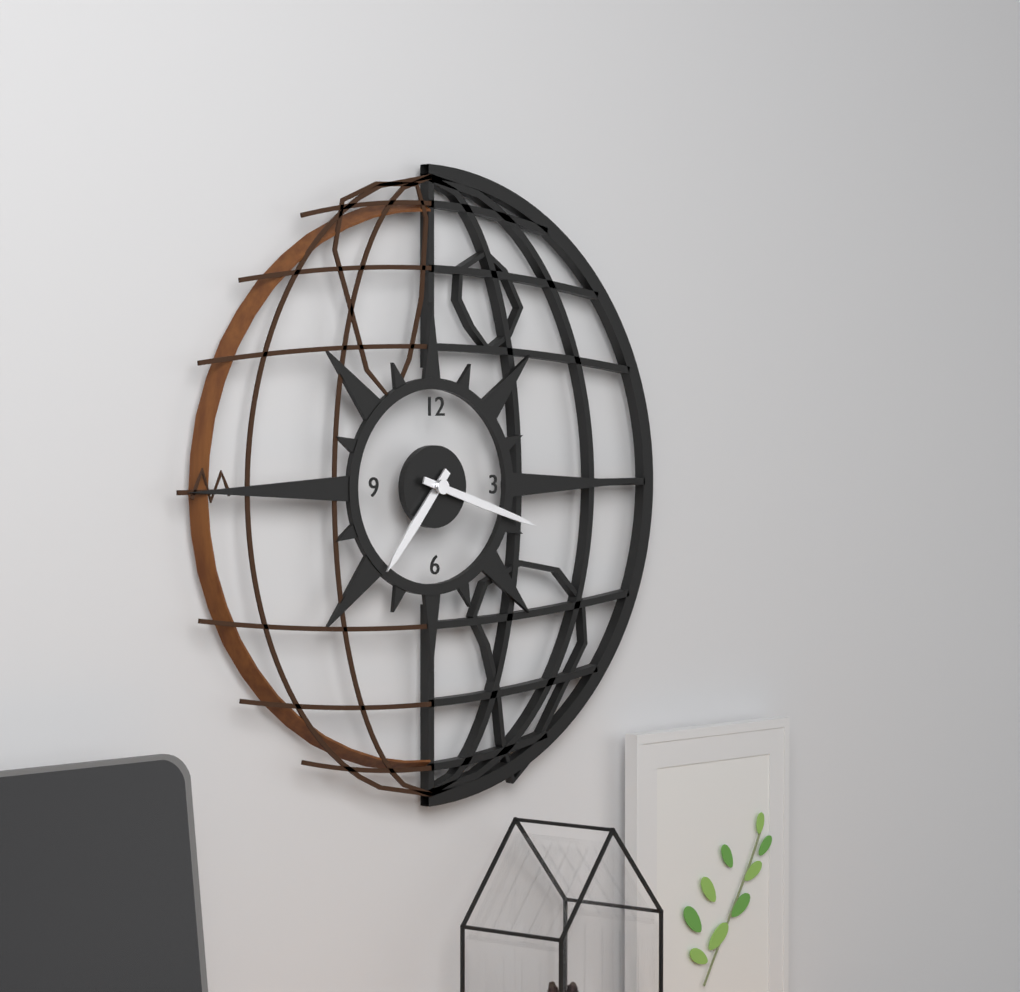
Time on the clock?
7:18
